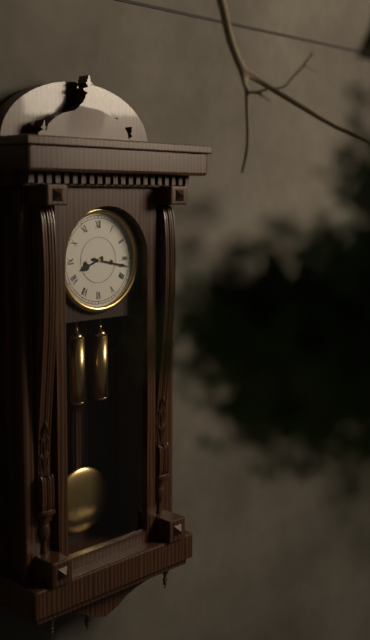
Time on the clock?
8:17
